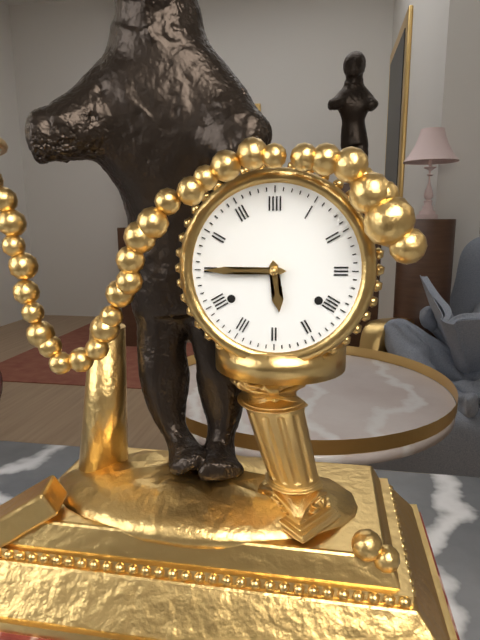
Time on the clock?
5:45
